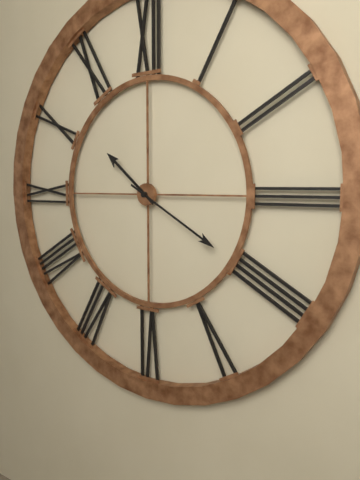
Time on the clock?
10:20
